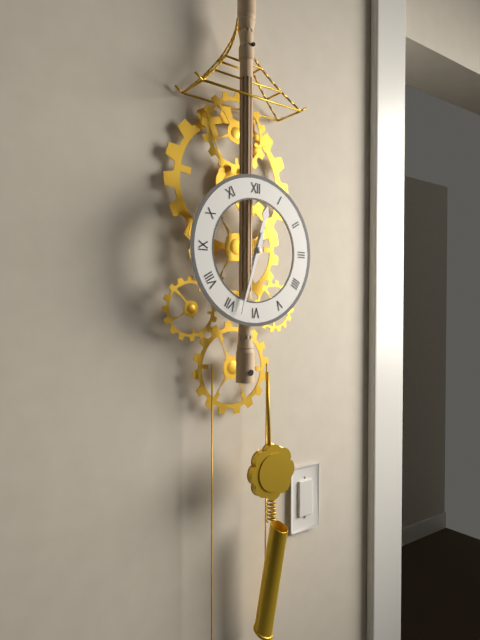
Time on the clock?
12:33
